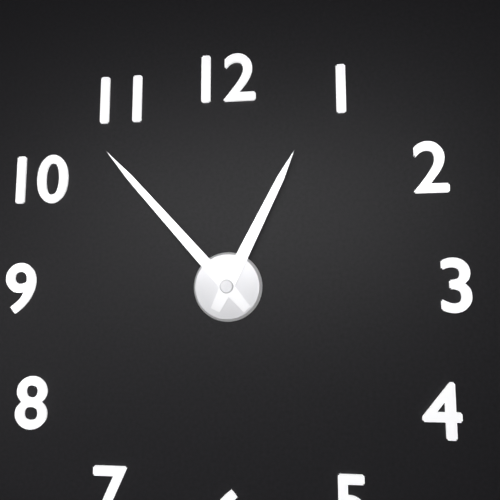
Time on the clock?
12:53
